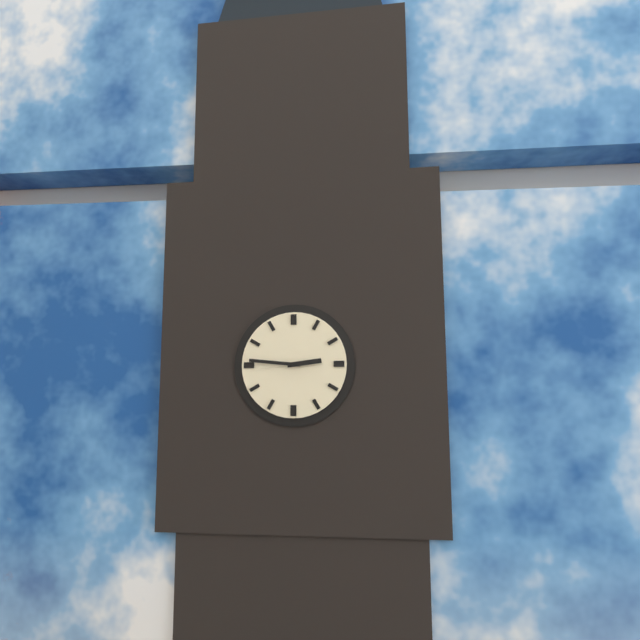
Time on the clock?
2:46
